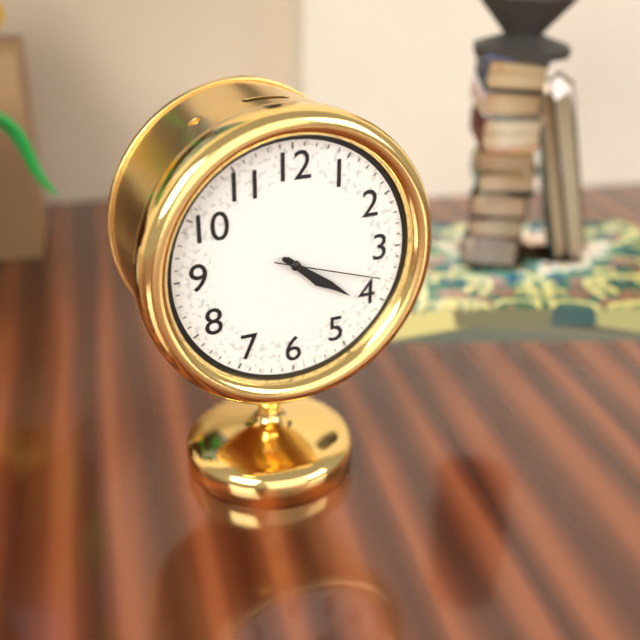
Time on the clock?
4:21:18
